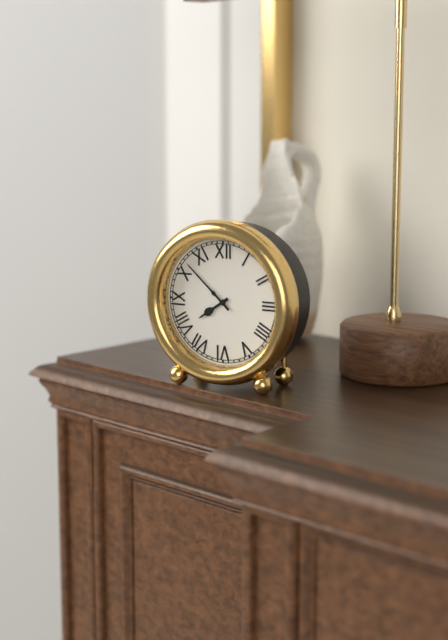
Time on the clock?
7:52
